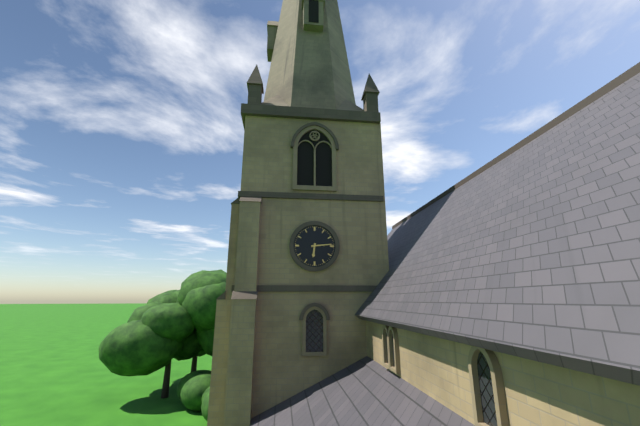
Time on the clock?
6:14
